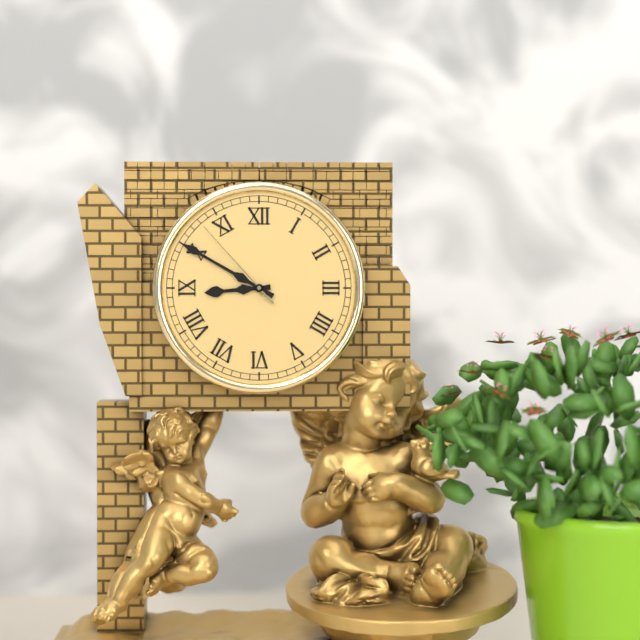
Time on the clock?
8:50:53
